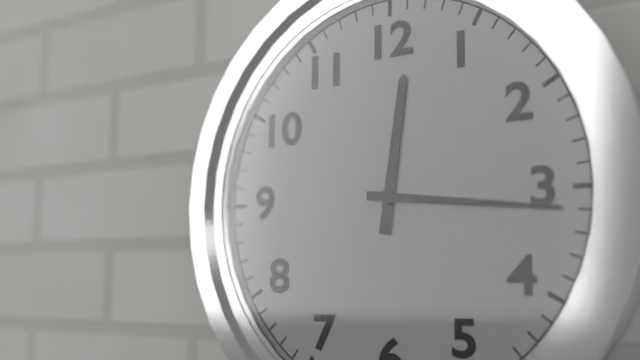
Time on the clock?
12:16
